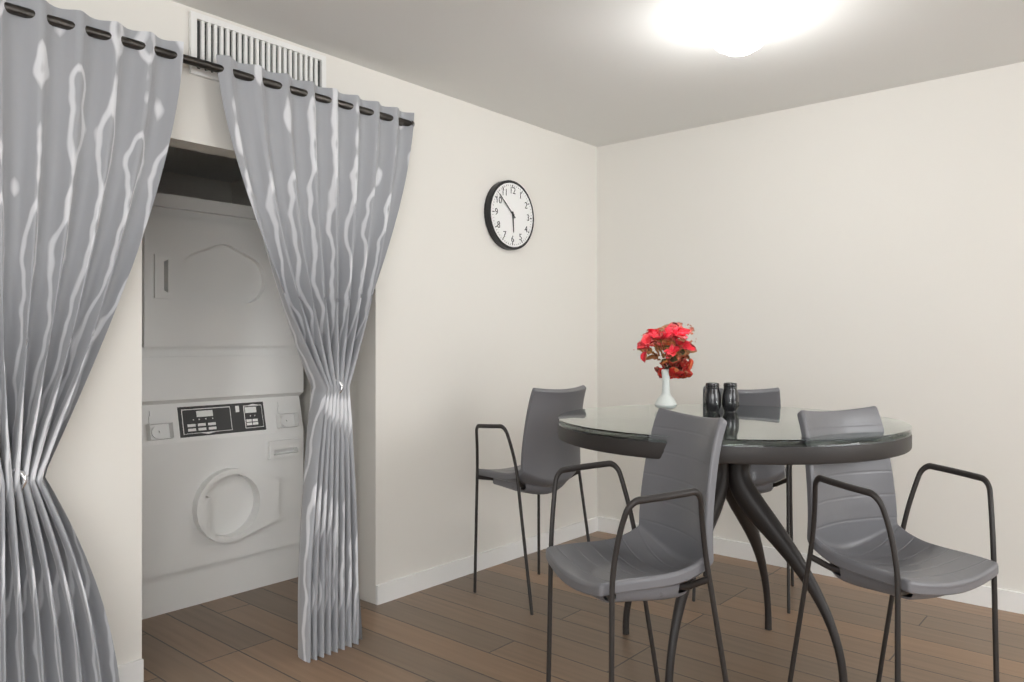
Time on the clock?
5:52
